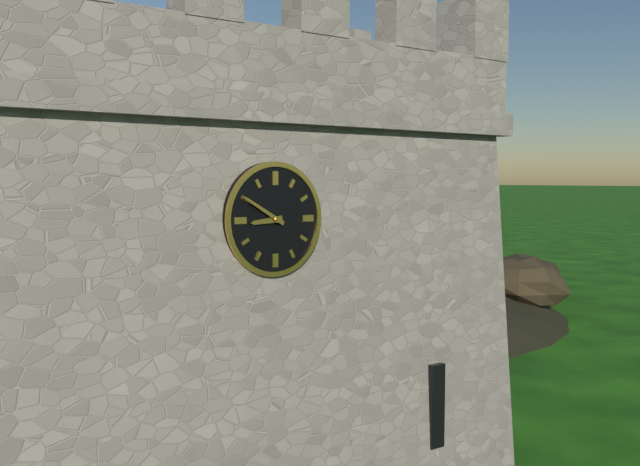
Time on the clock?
8:50
